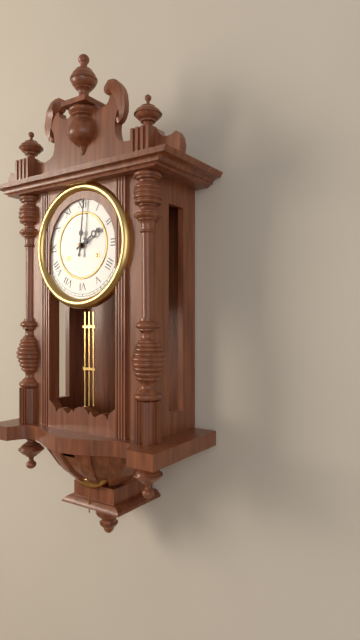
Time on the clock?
2:01
